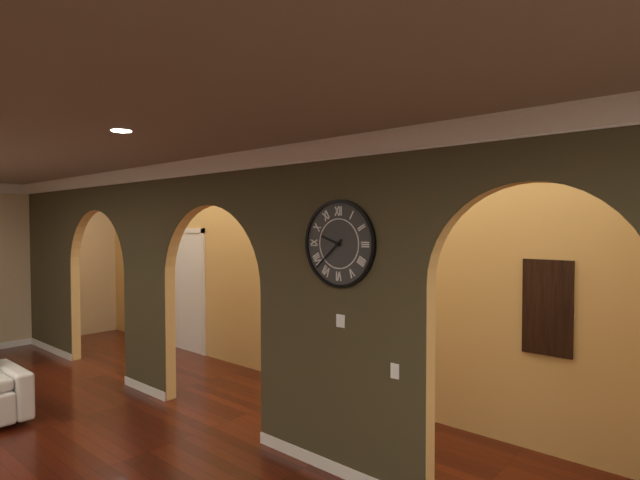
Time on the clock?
9:38
